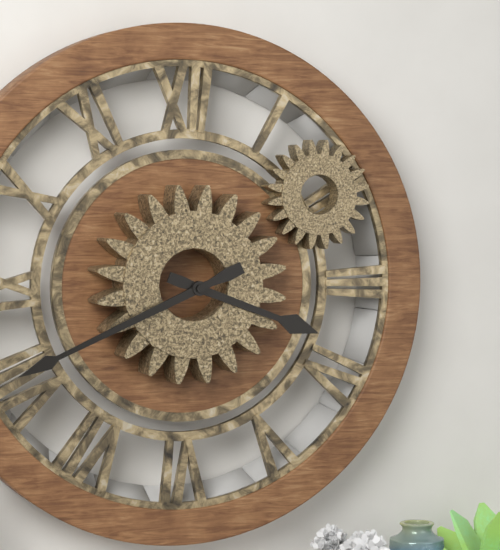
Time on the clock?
3:41
